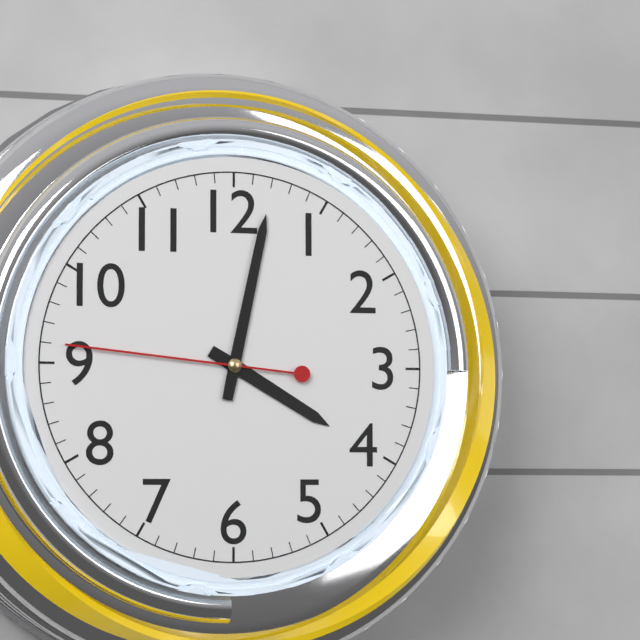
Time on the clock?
4:02:46
